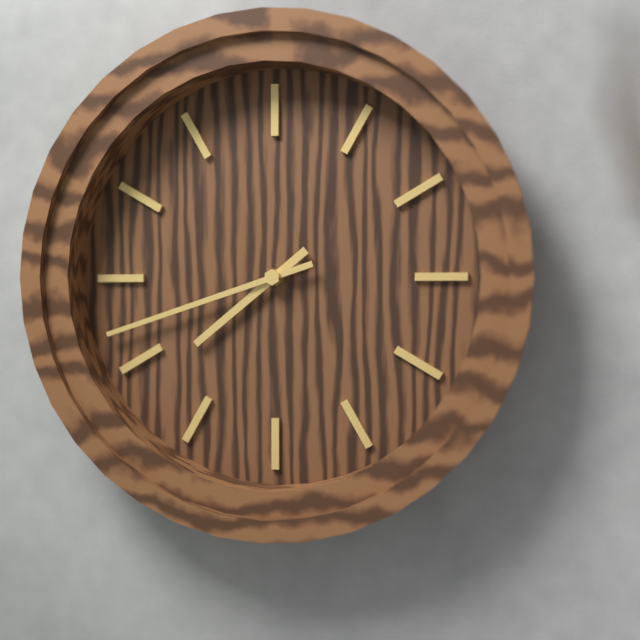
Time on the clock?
7:42
